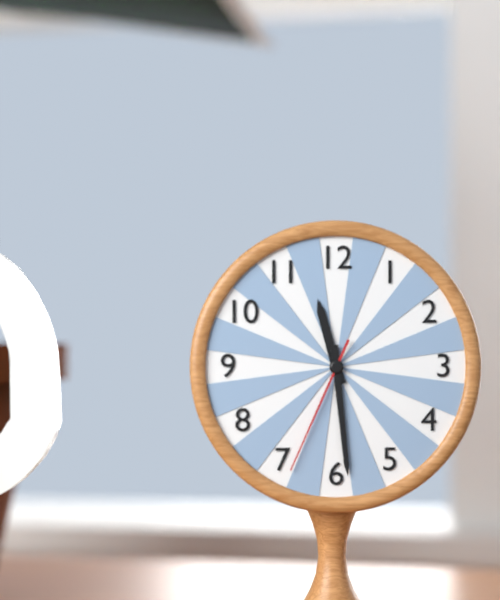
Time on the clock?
11:29:34
